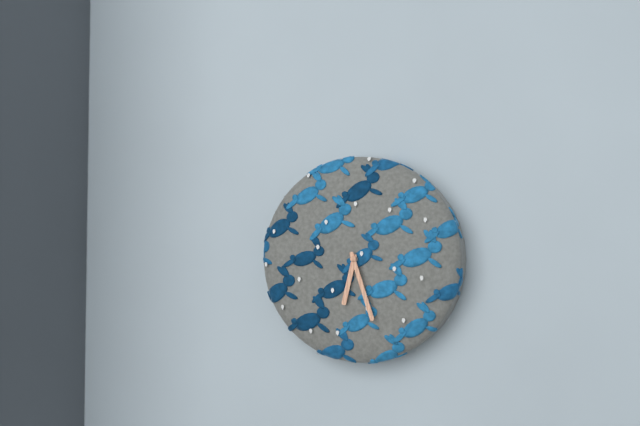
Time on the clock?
6:27
